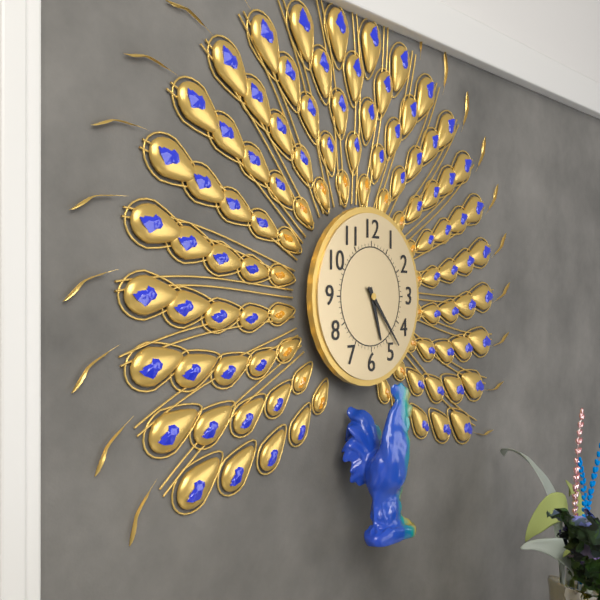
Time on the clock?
5:23
